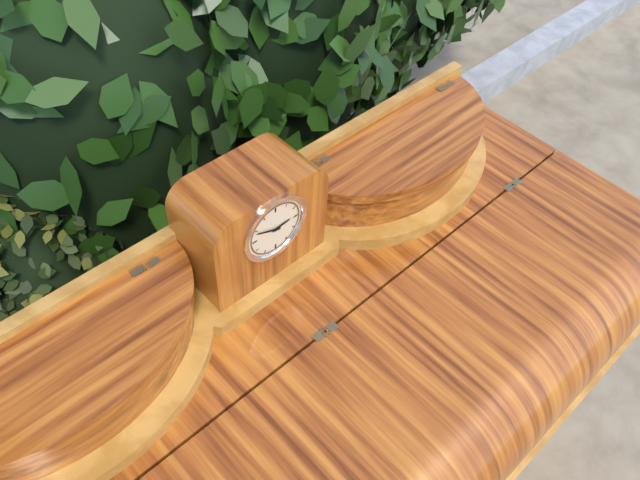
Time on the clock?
2:49
